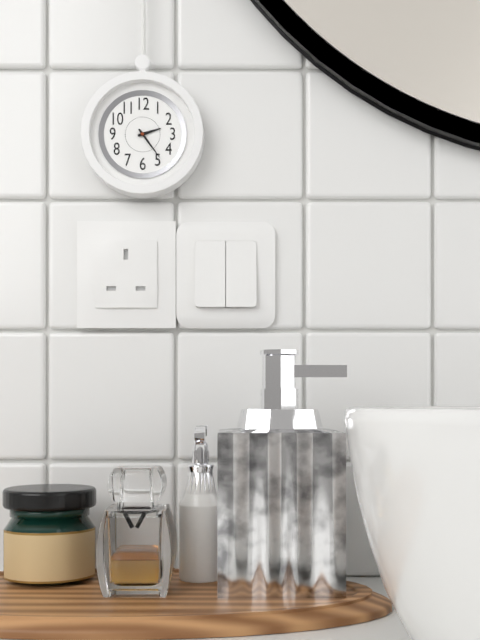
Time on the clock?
2:24
